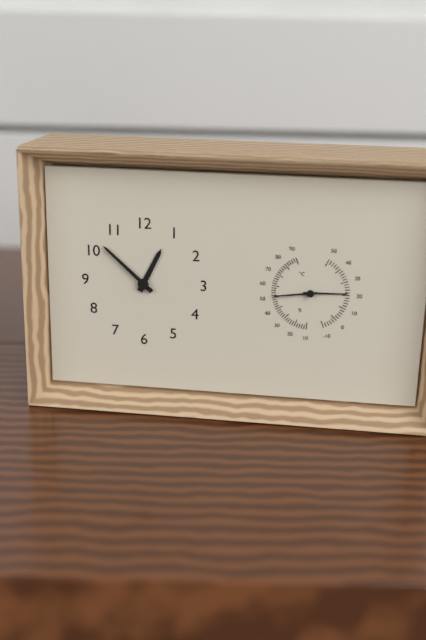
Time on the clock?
12:52
